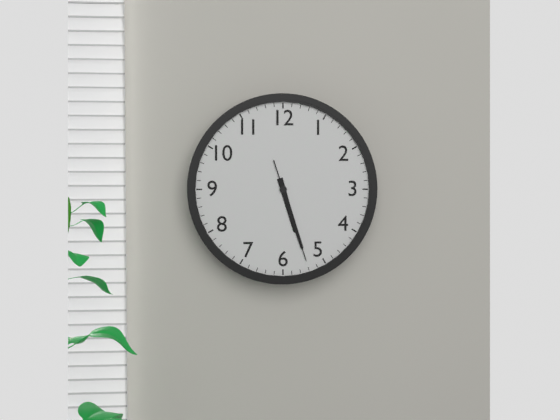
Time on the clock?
5:27:27
